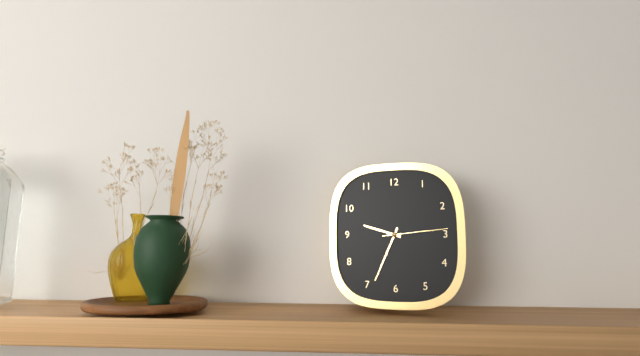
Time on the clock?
9:34:14
